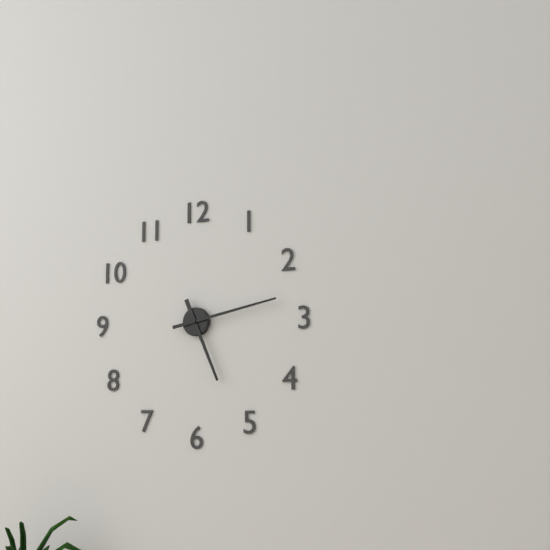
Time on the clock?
5:13
